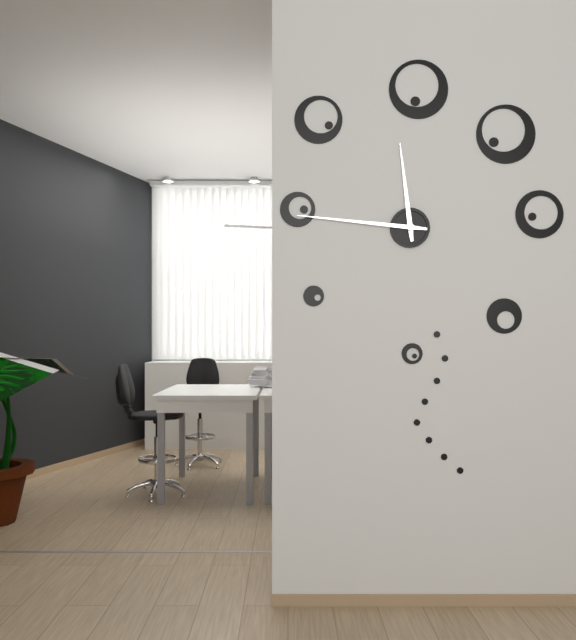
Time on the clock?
11:46
